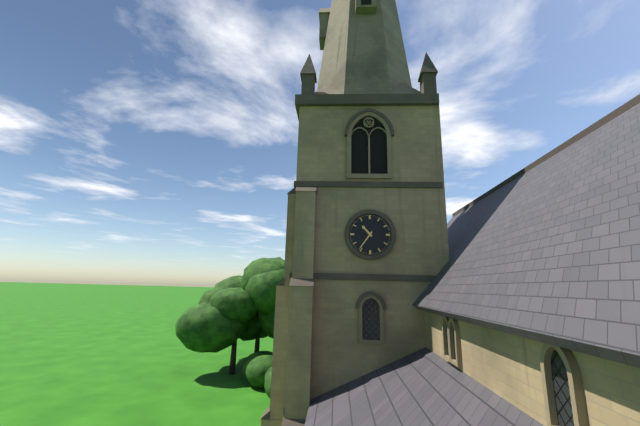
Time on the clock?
10:36
